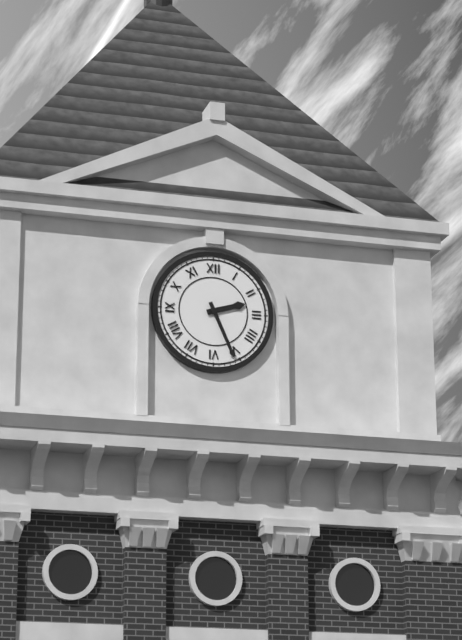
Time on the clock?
2:26
